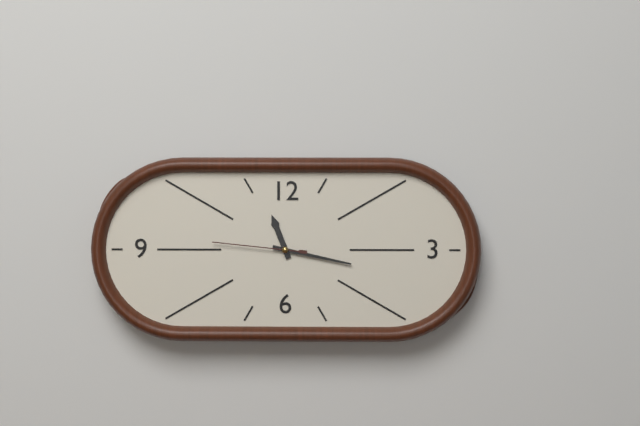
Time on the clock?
11:17:46
